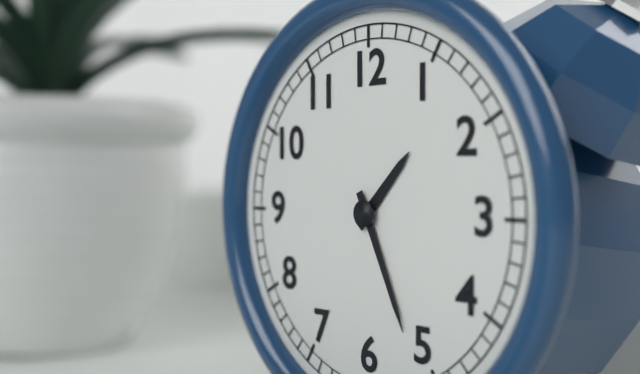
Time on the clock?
1:26
